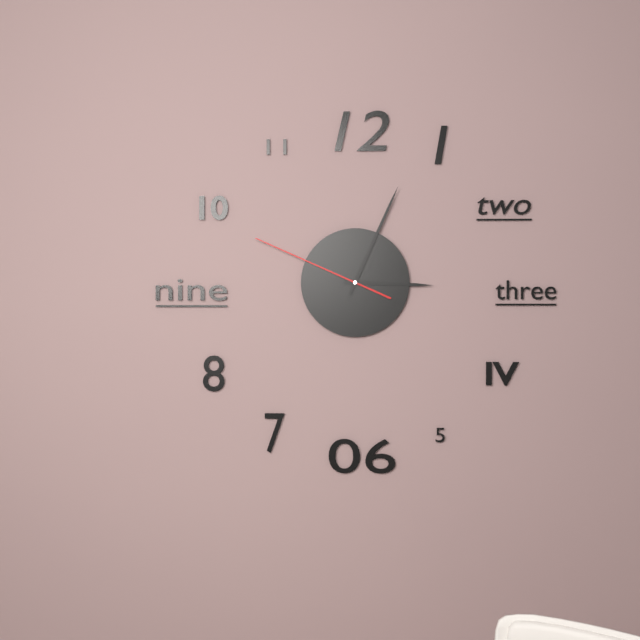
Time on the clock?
3:04:49
